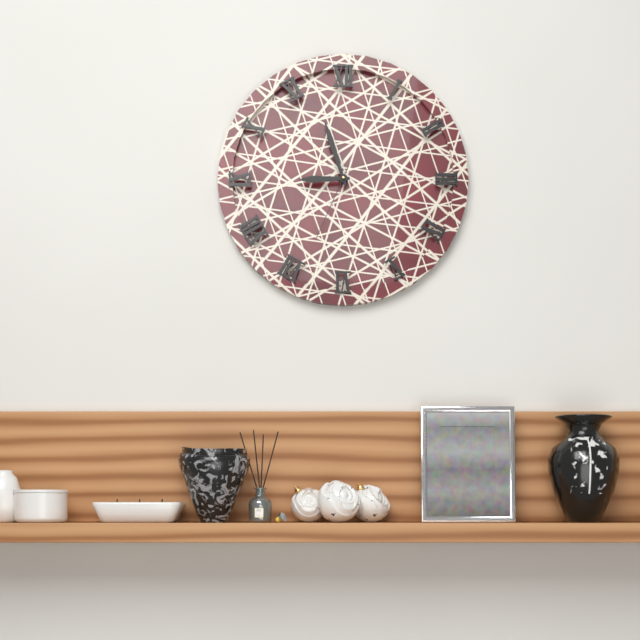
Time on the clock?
8:57:34
